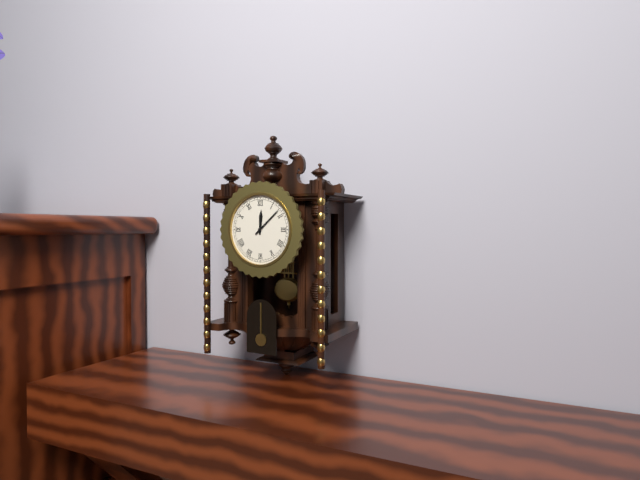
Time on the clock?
12:08
